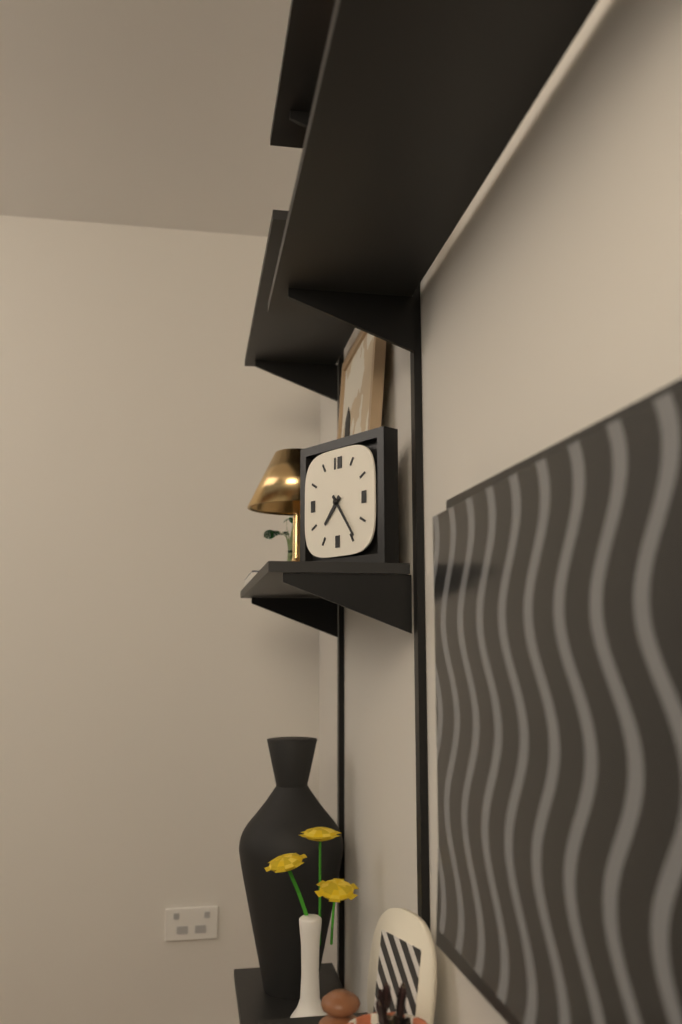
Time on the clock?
7:24
